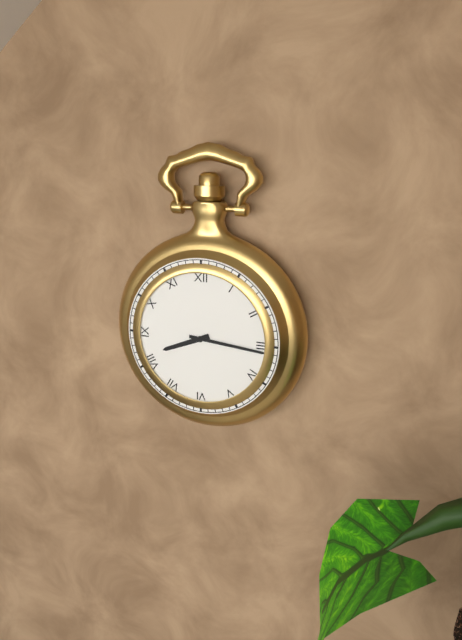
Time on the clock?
8:16
